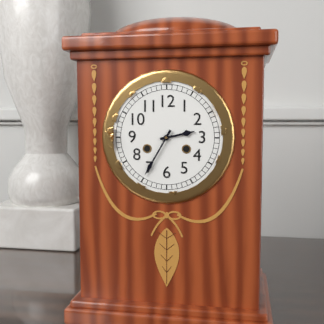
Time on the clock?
2:35
